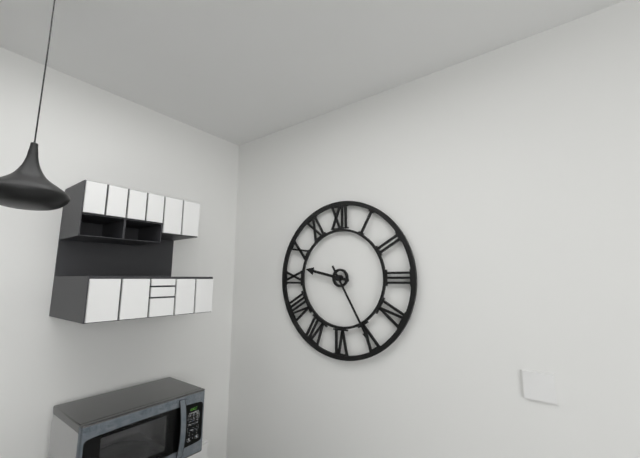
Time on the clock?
9:25
